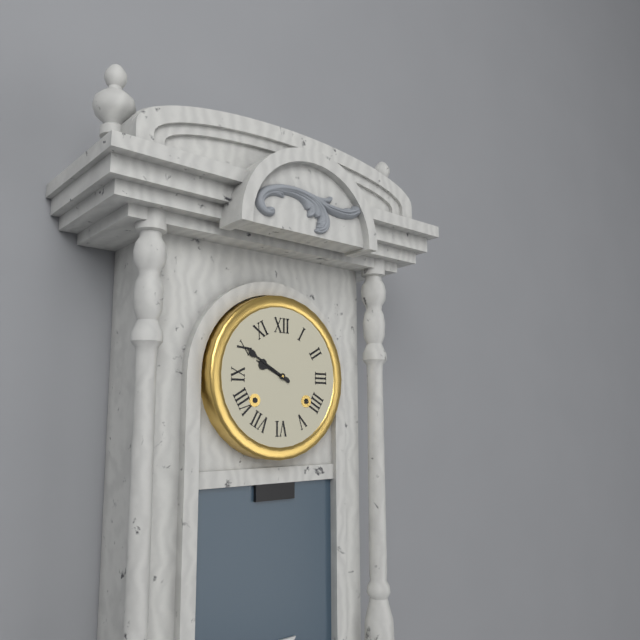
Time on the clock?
9:50
